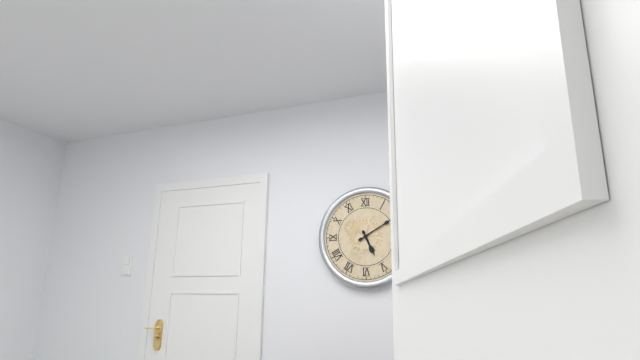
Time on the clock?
5:10
